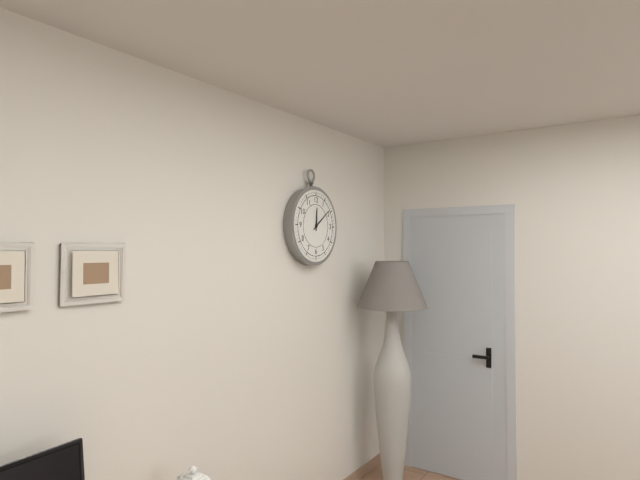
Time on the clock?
12:09
